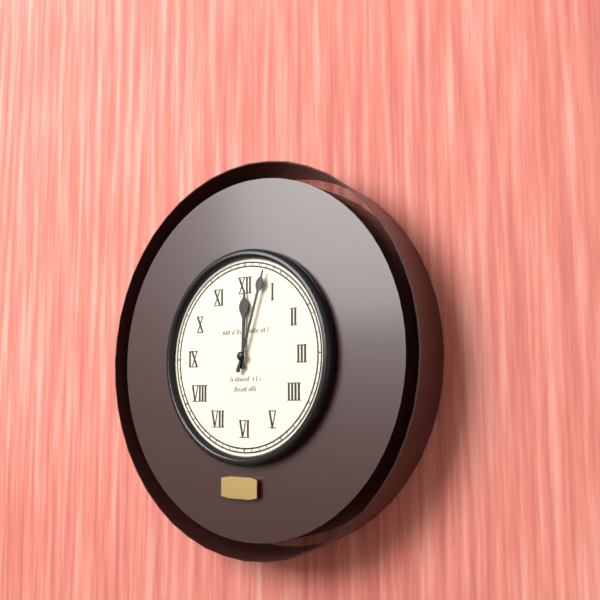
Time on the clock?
12:03
